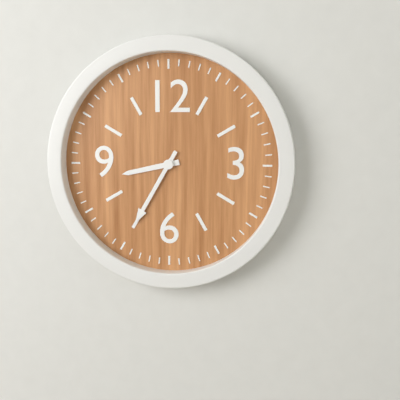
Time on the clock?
8:35
